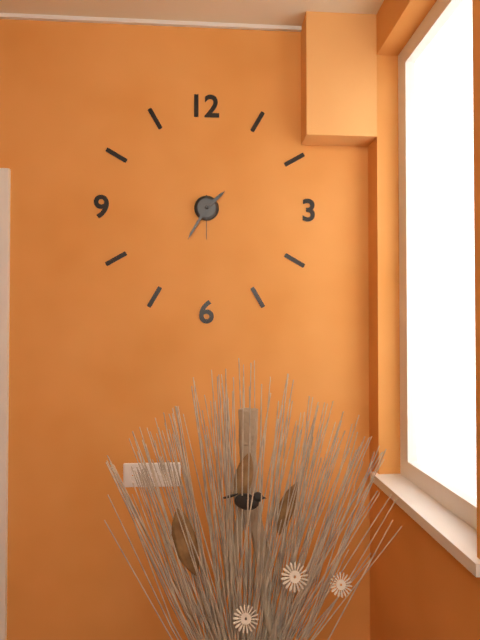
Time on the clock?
1:35
